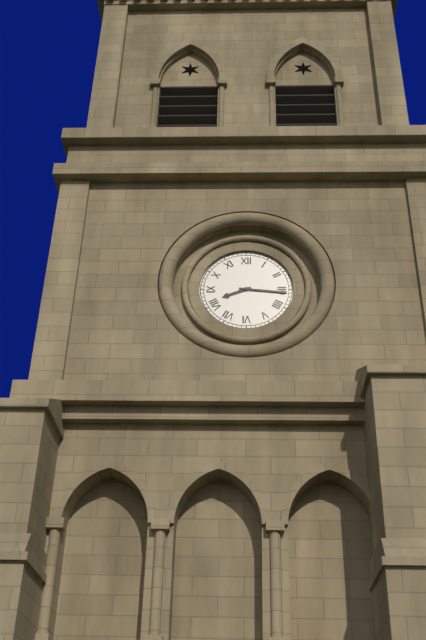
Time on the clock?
8:16
